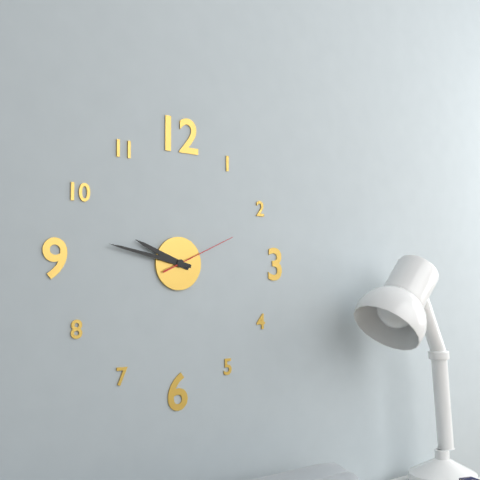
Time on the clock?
9:47:11
